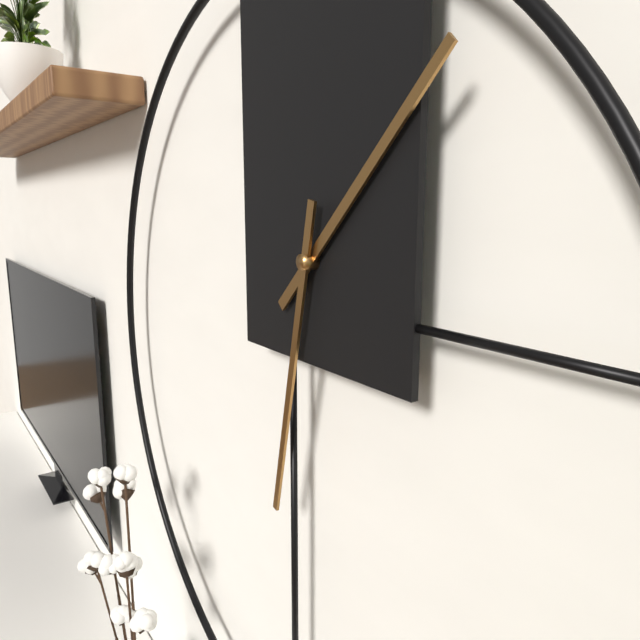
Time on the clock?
1:32
